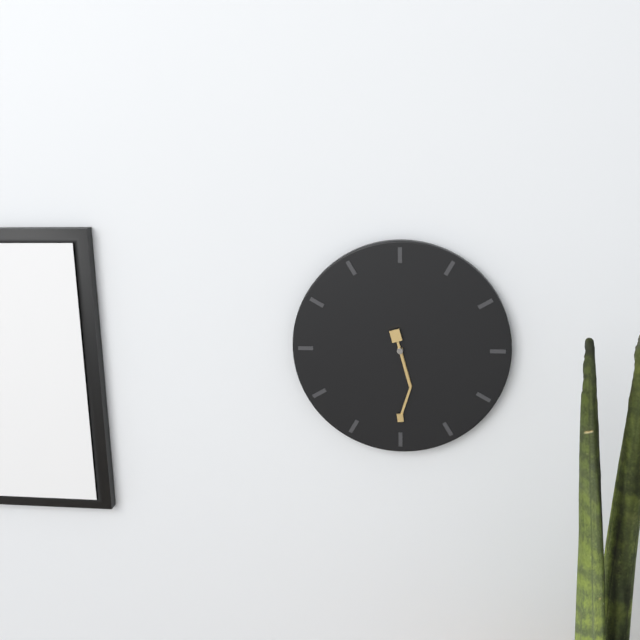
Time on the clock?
5:30
